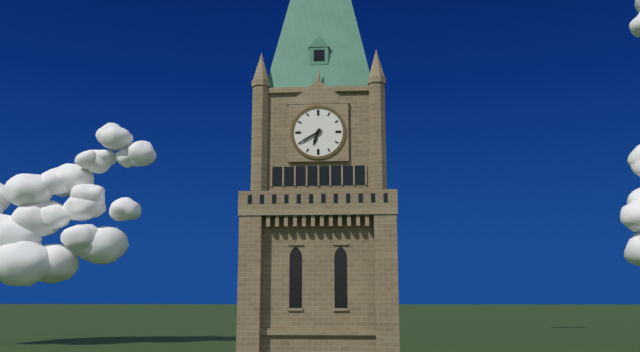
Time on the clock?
6:40
